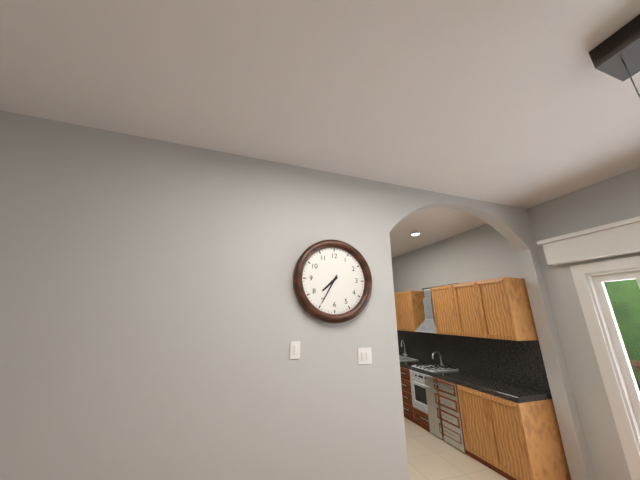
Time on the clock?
7:35
